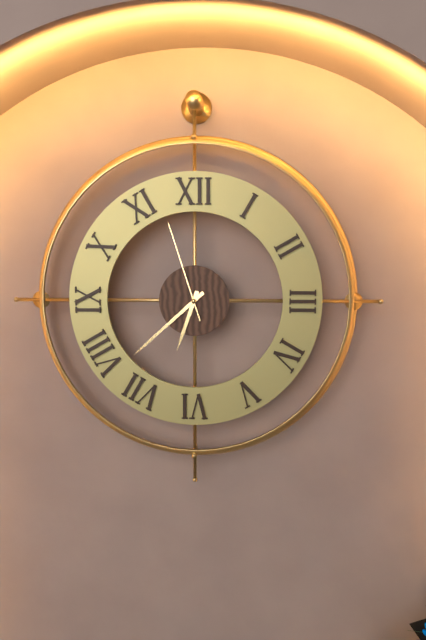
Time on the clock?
6:38:57
